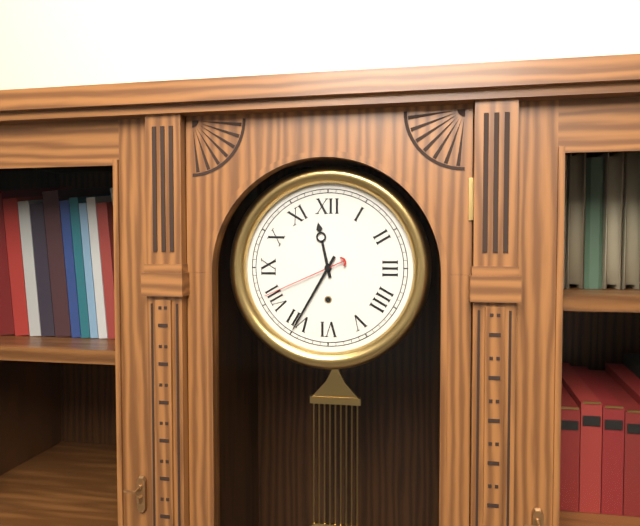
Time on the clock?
11:35:41
